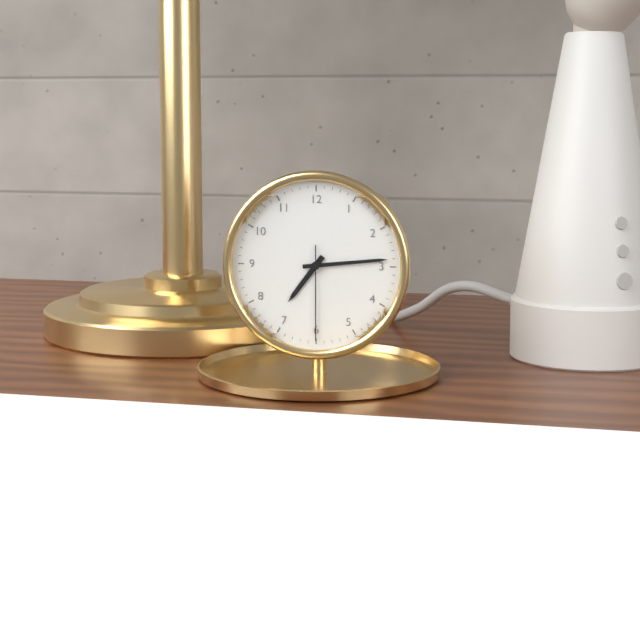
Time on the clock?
7:14:30
